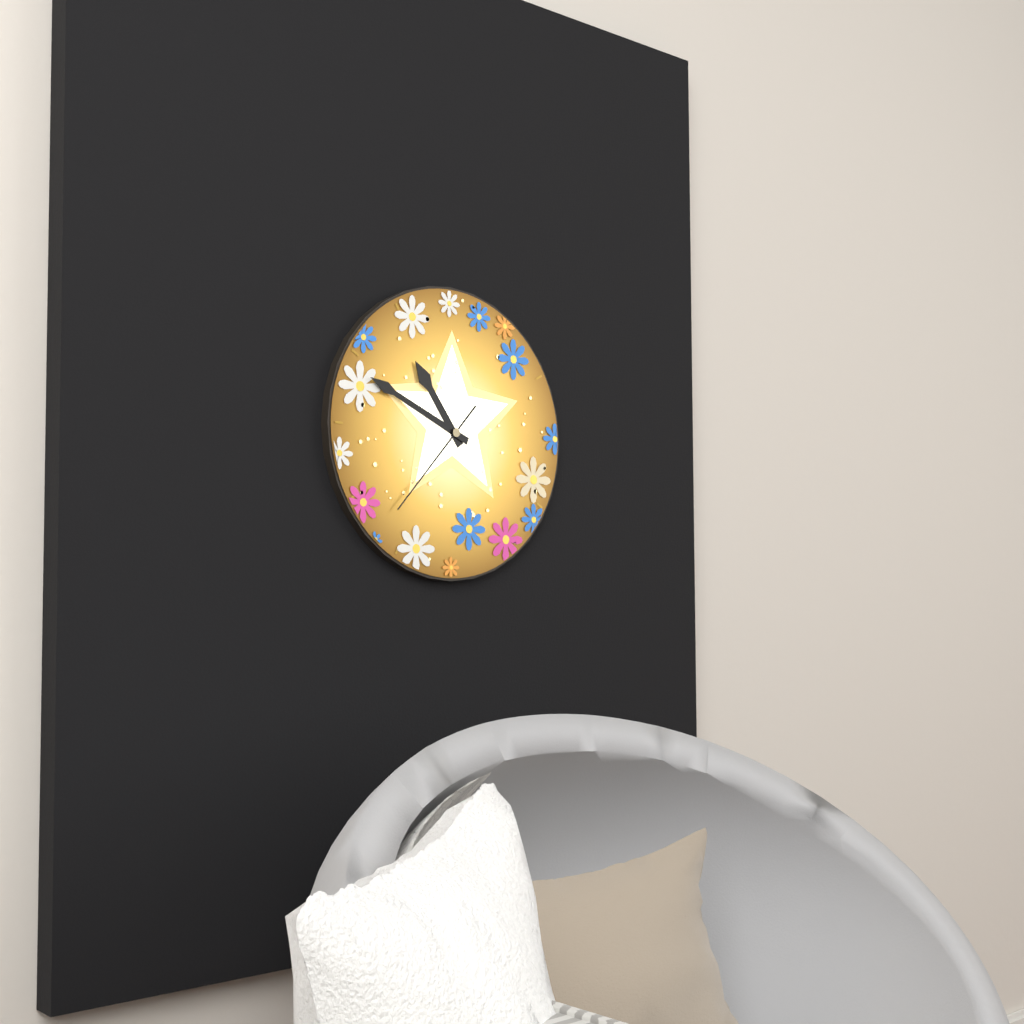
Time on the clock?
10:49:37
